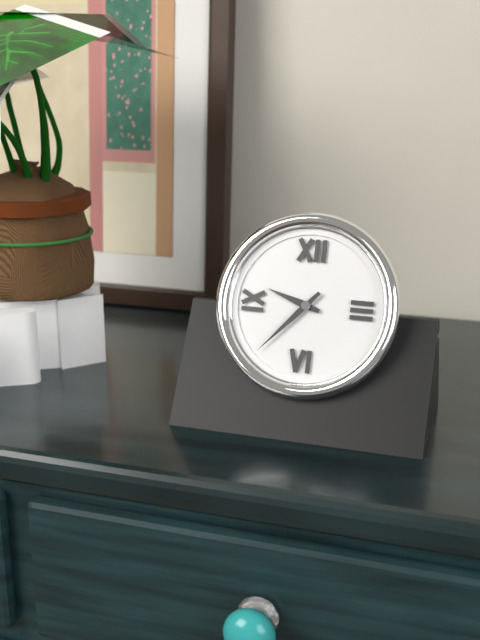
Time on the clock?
9:37
